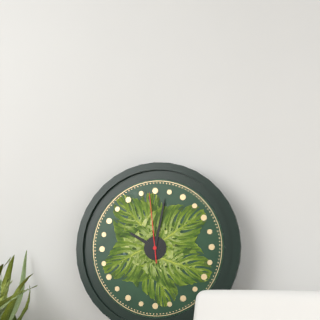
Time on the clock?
10:02:59
